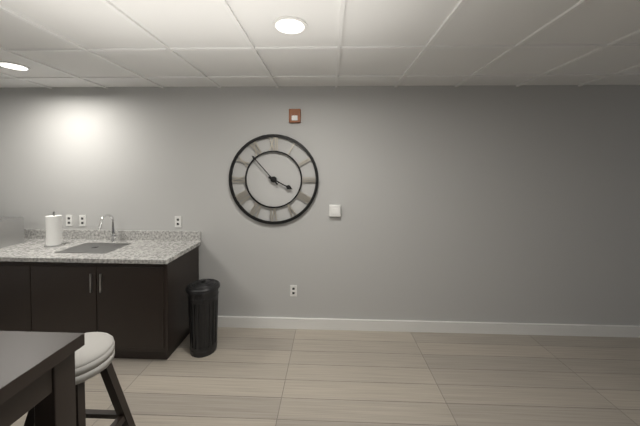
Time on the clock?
3:53
